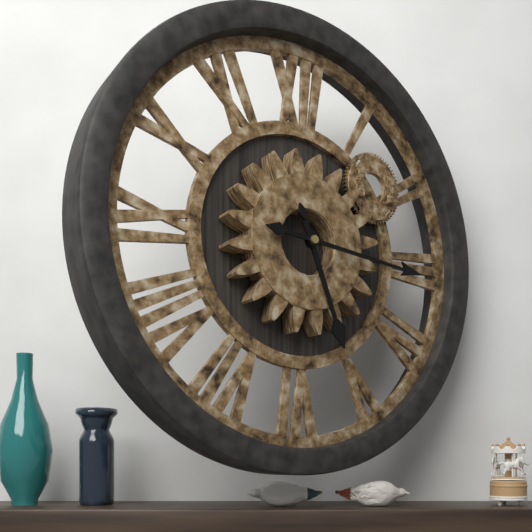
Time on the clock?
5:16
